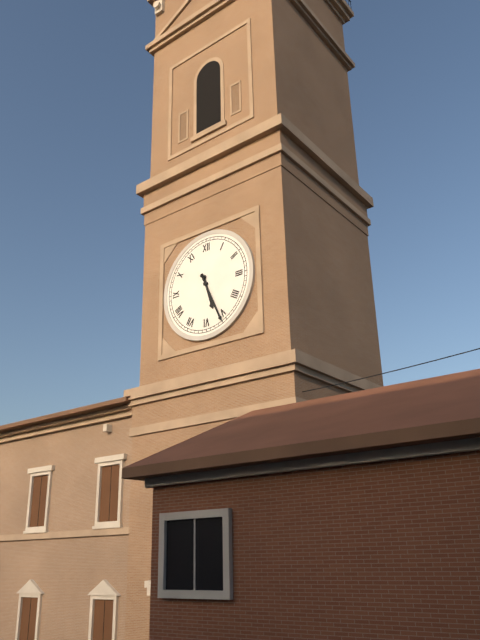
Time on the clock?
5:26
